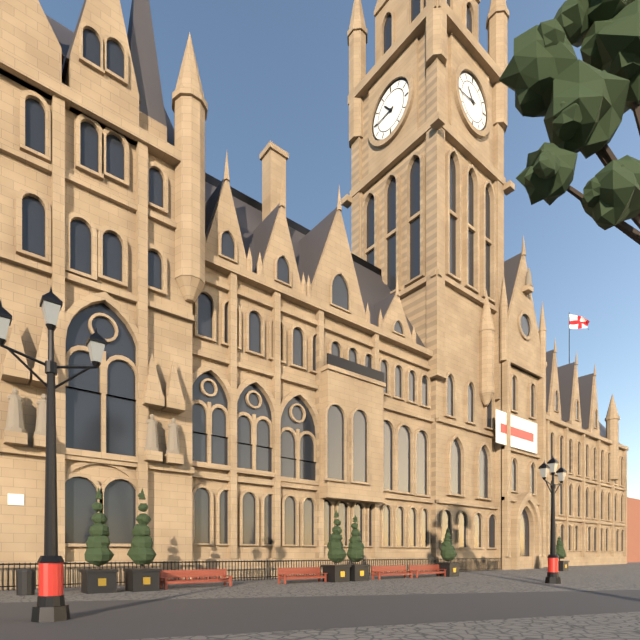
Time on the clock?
10:44
